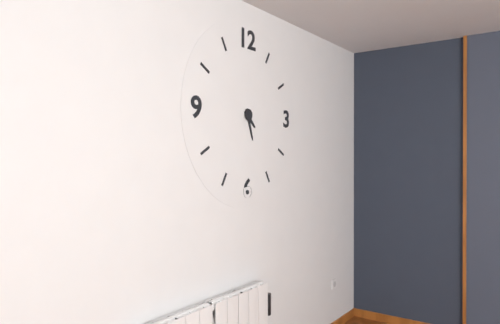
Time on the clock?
4:27
